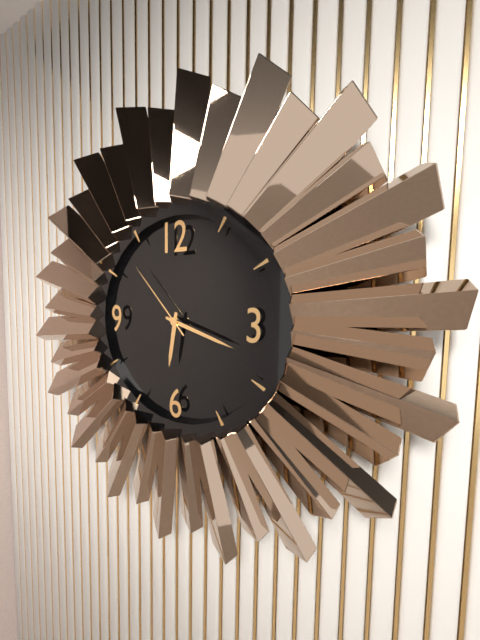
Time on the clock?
6:18:53
